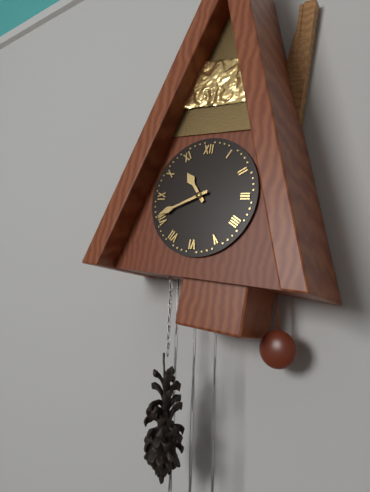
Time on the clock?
10:41
